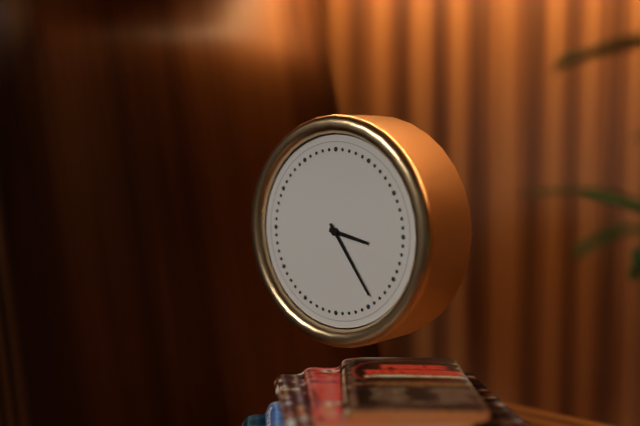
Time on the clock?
3:24
